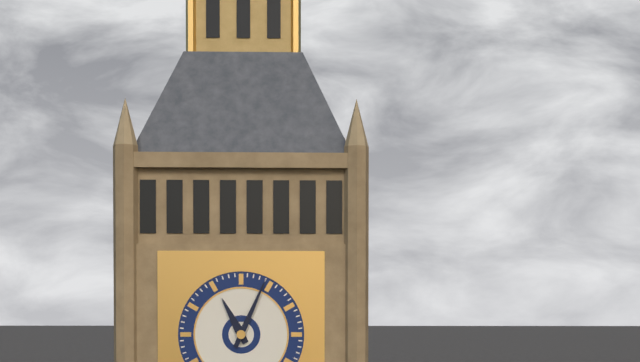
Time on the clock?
11:04
